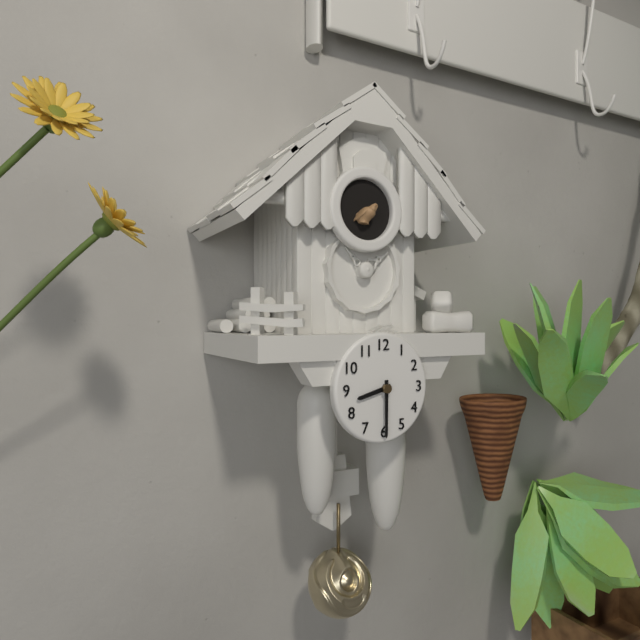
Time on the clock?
8:30
